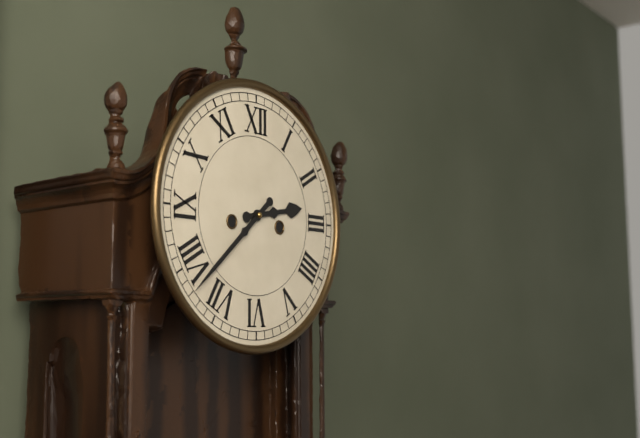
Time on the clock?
2:38
